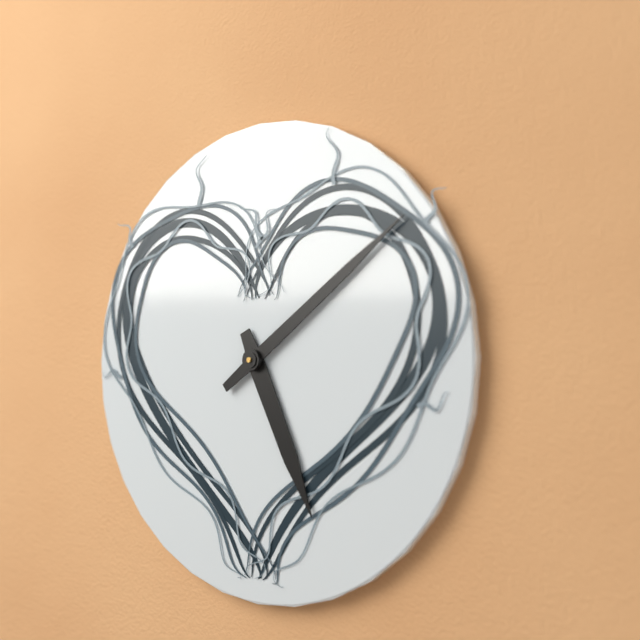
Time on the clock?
5:09
